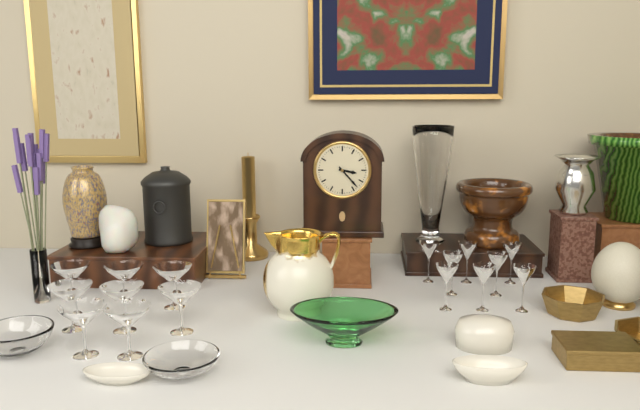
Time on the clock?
3:23
